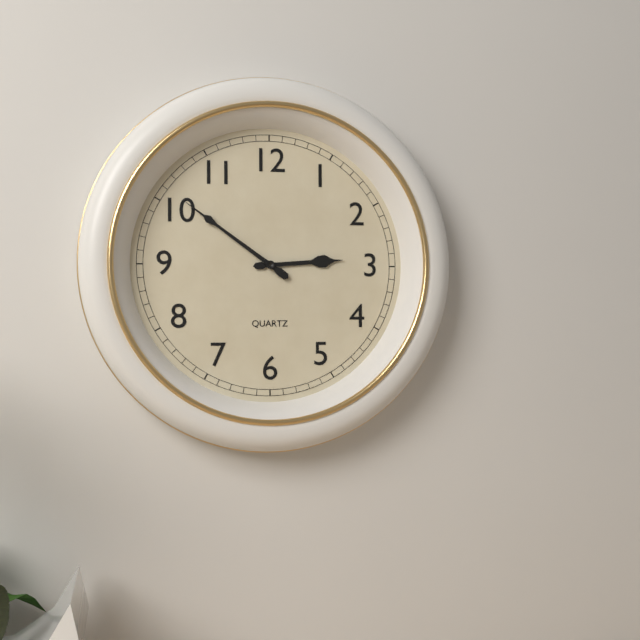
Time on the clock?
2:51
